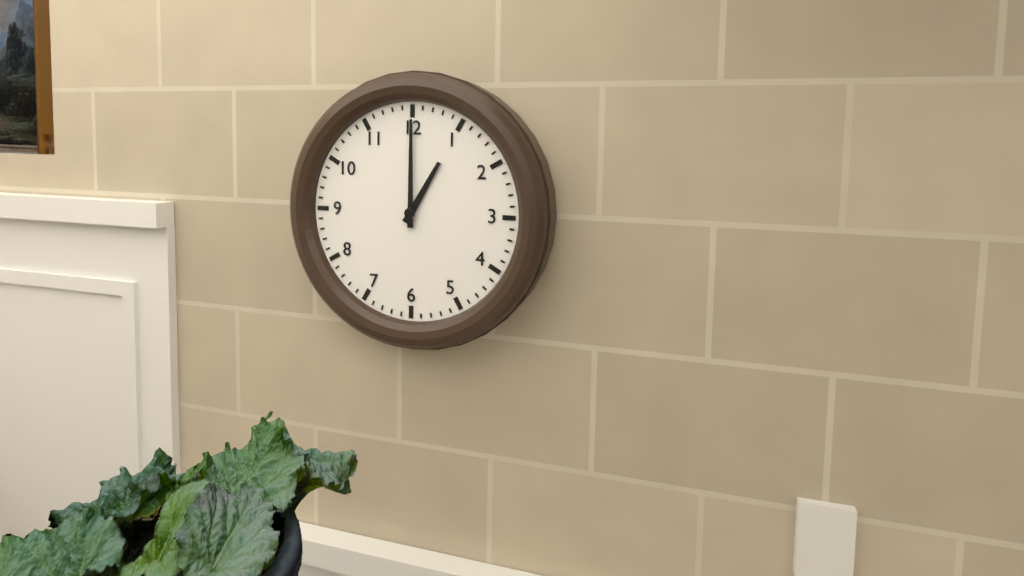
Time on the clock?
1:00
